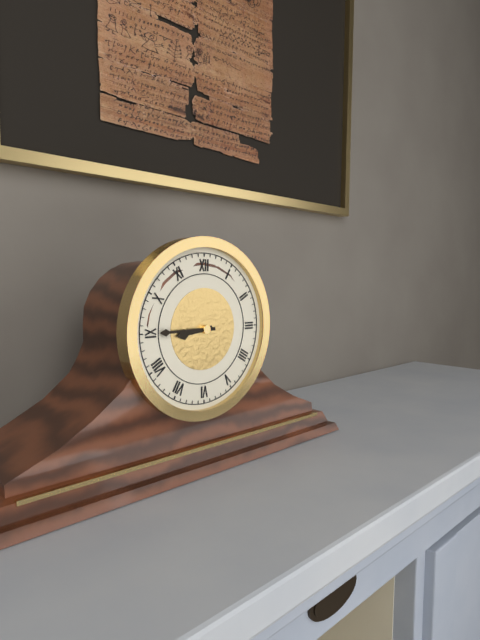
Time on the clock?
8:45
